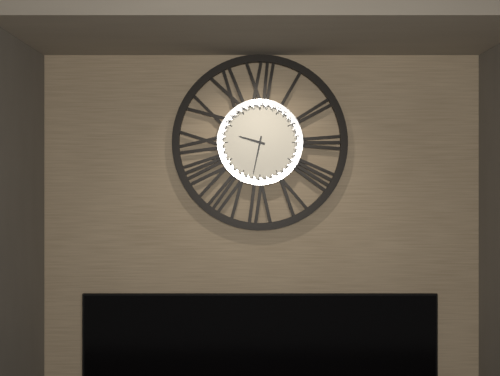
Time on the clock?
9:32
